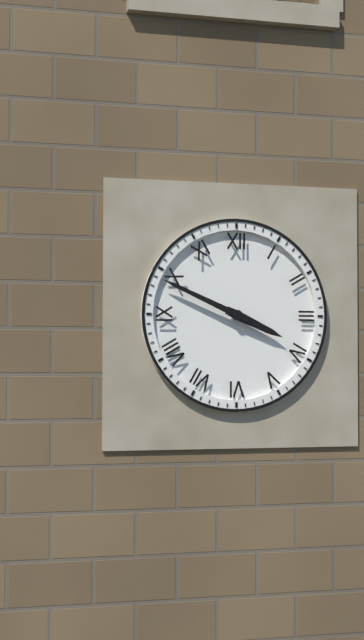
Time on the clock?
3:49
